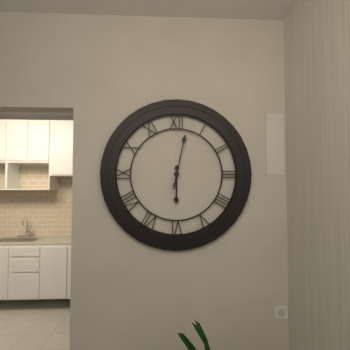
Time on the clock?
6:02
